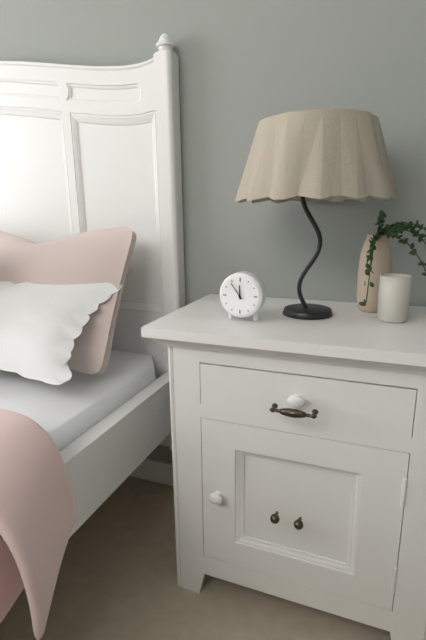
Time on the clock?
11:54
